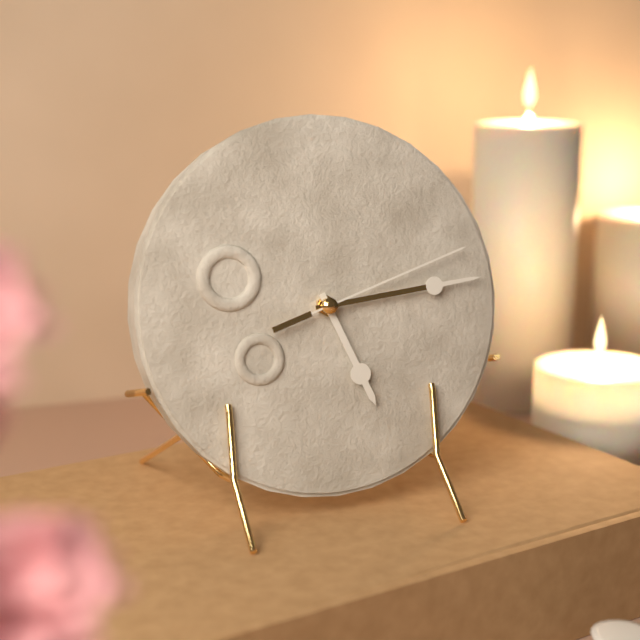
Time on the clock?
5:14:12
